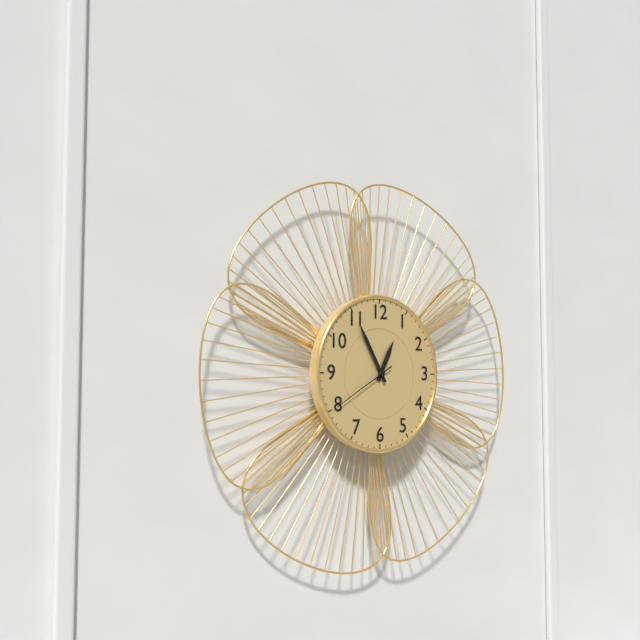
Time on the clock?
12:55:40
